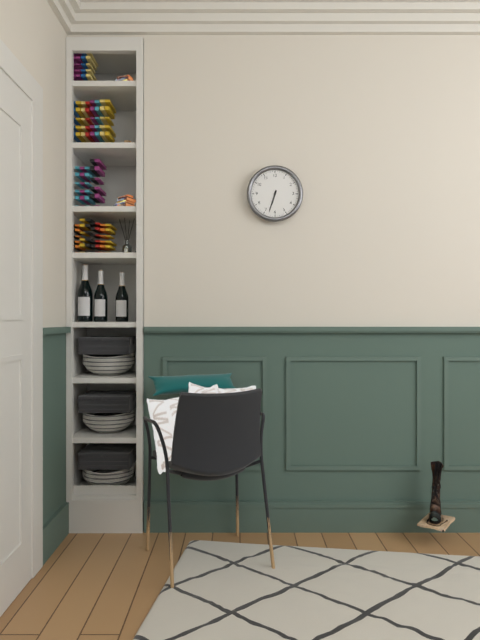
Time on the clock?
6:33
